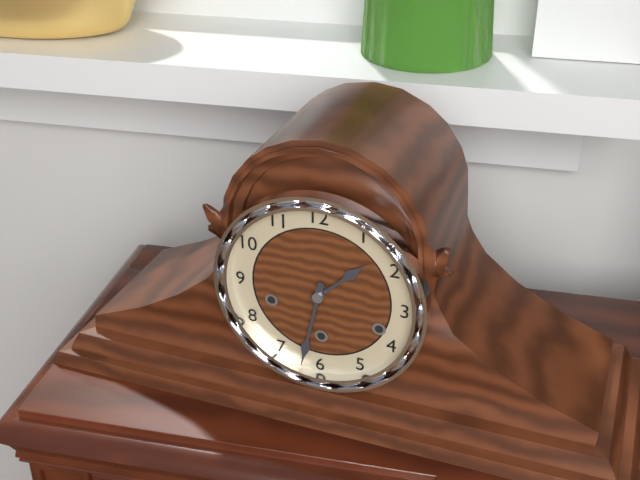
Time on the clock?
1:32
